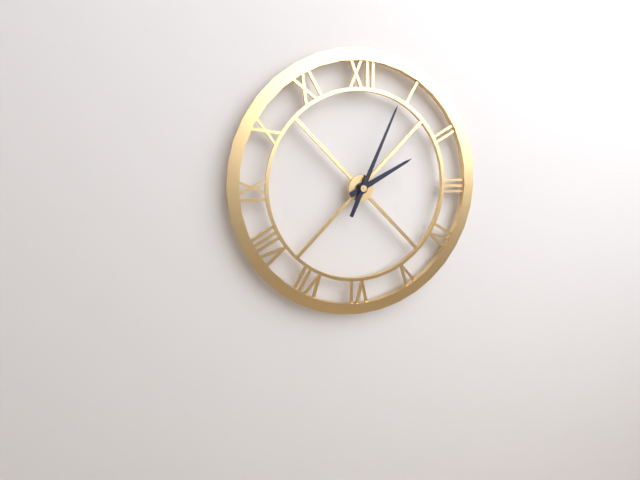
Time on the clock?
2:04
